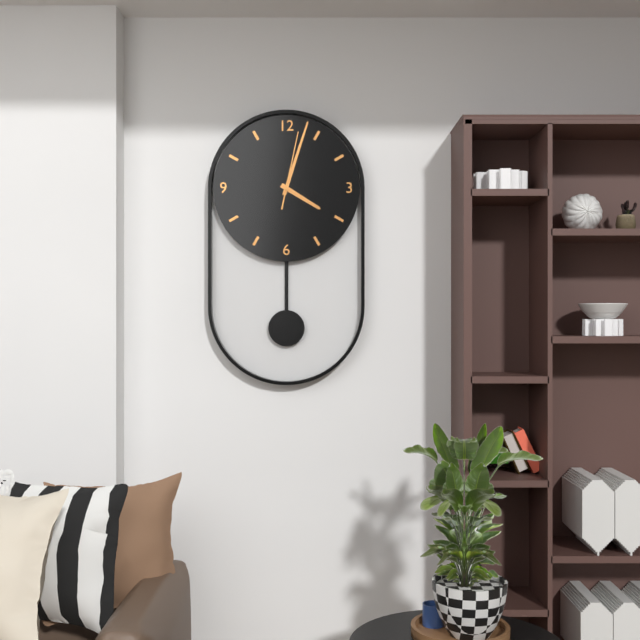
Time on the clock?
4:03:02
